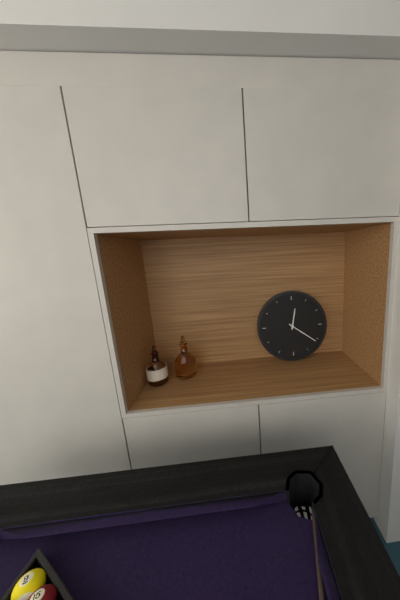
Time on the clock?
12:21
